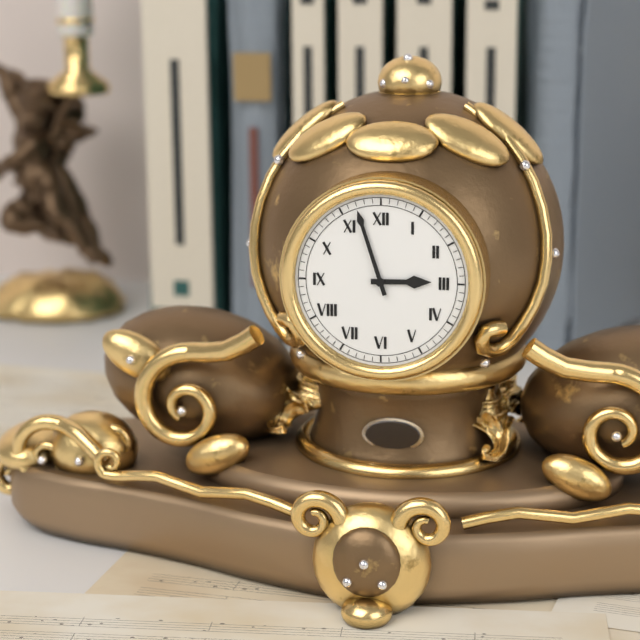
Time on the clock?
2:57
